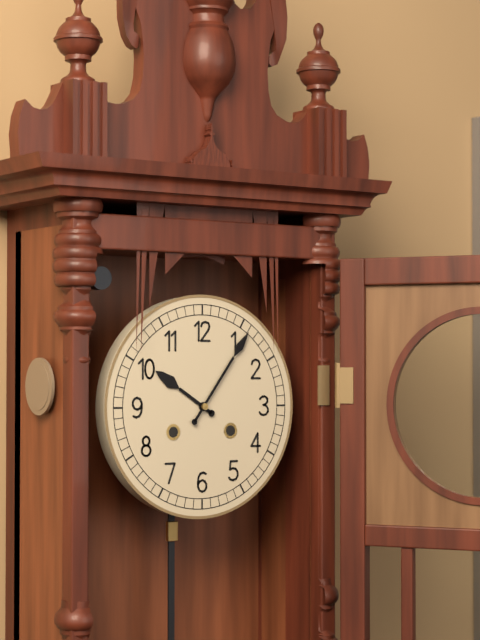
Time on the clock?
10:06
